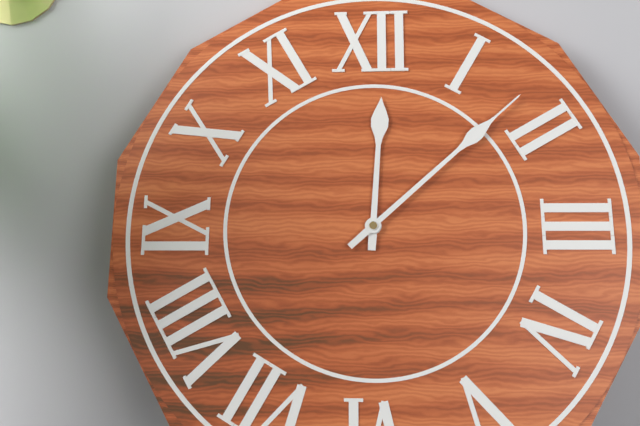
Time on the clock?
12:08
